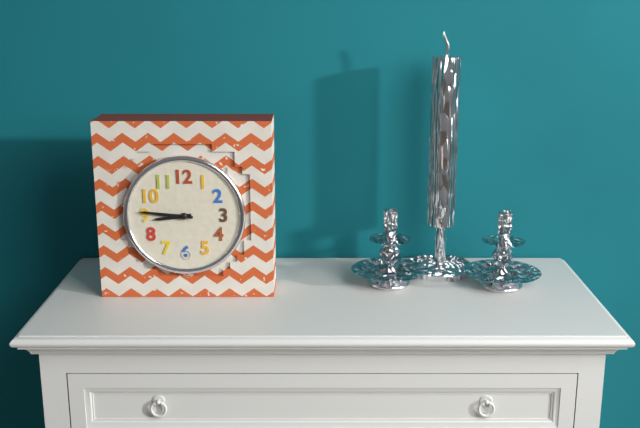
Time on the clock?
8:46
